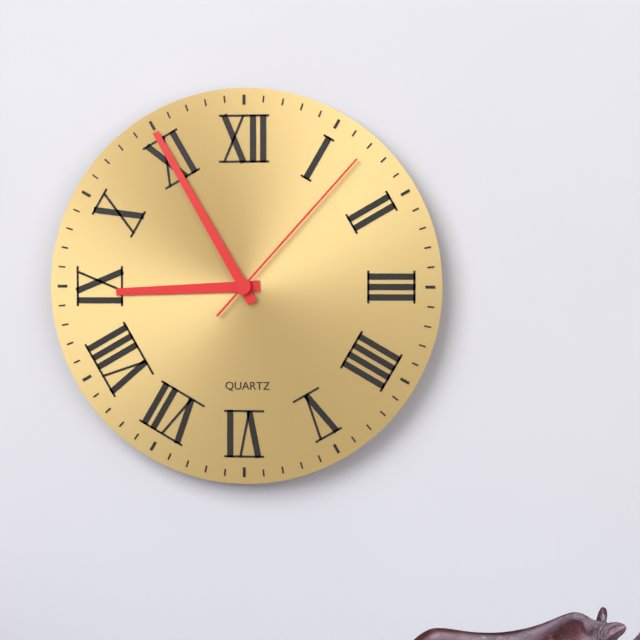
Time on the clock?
8:55:07
